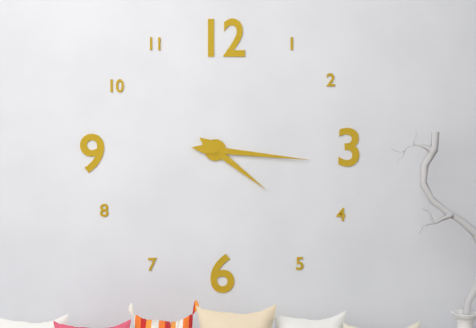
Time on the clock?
4:16
